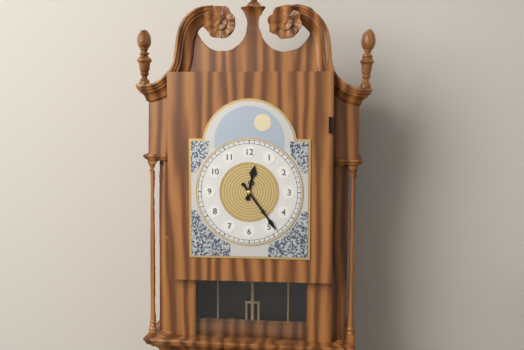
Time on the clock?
12:24
